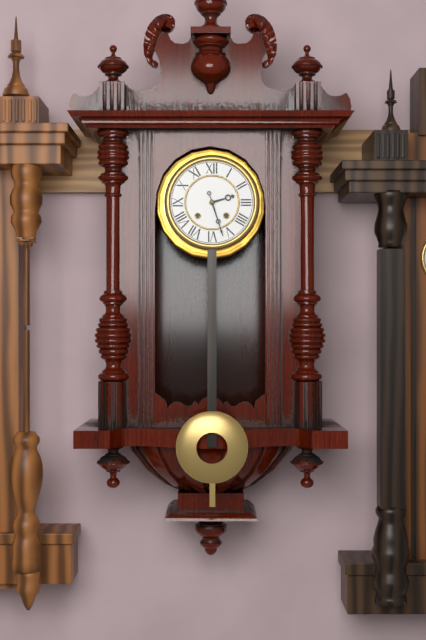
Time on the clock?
2:27
